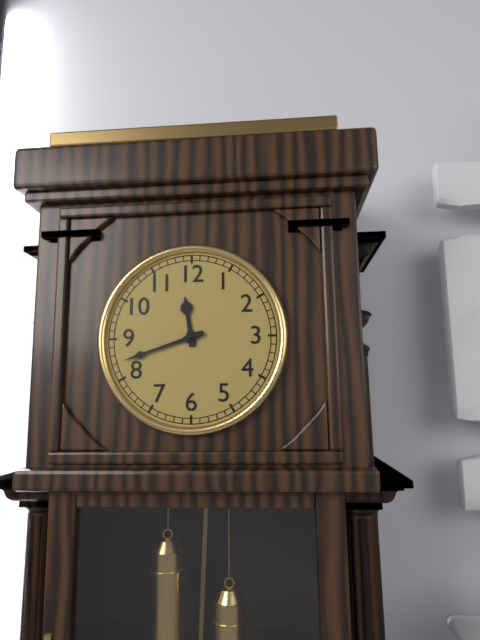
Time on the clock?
11:42
